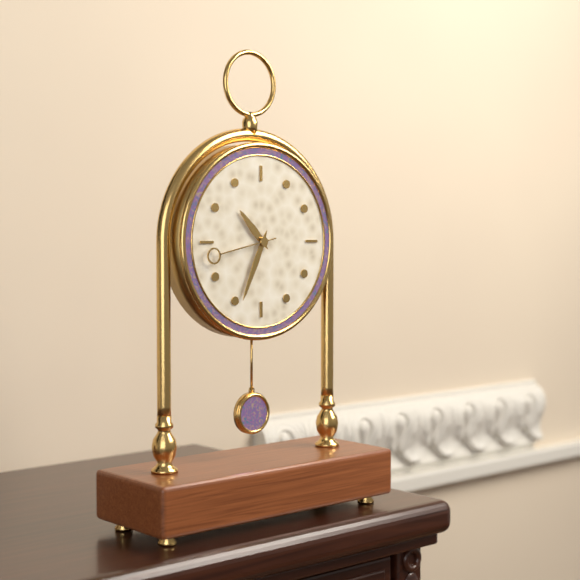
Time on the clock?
10:34:43
